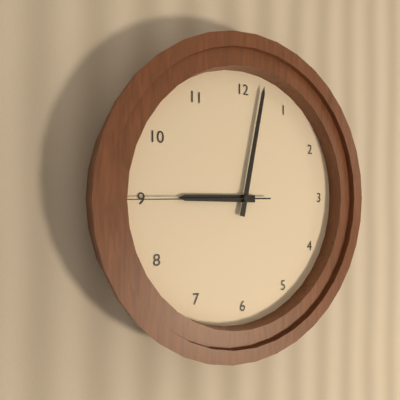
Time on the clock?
9:02:45
